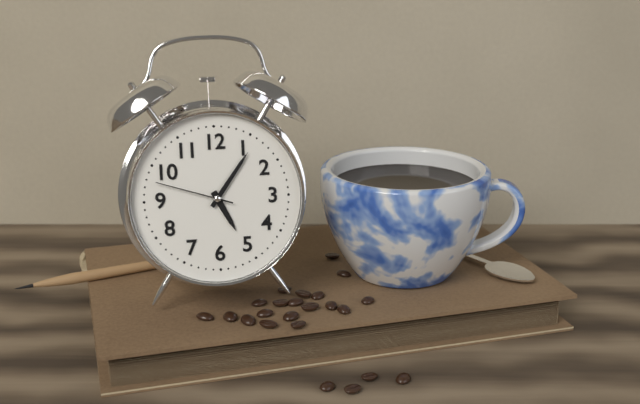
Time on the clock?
5:06:48
